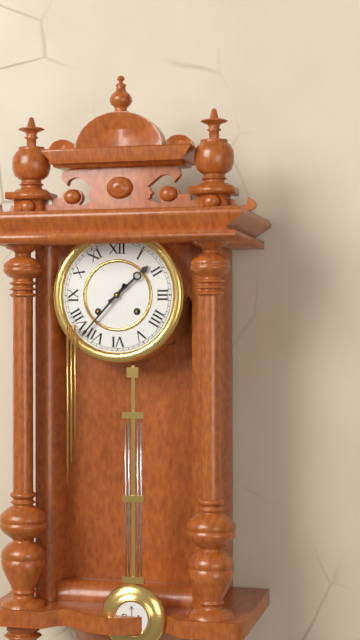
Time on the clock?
1:37
